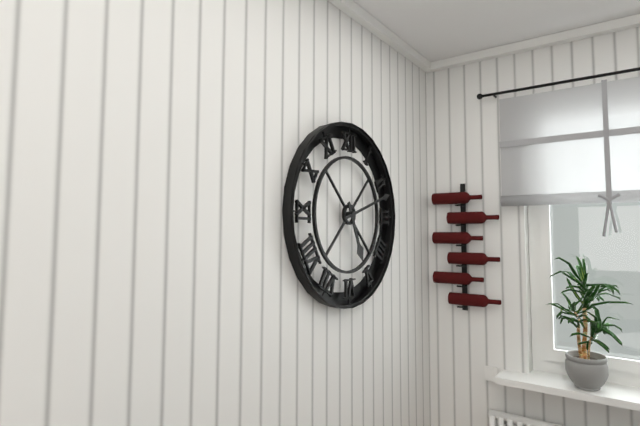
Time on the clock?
5:12
